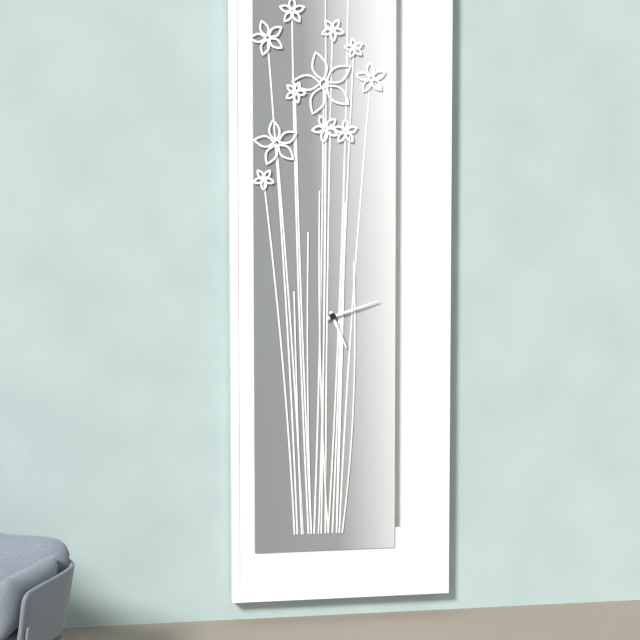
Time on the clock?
5:12
